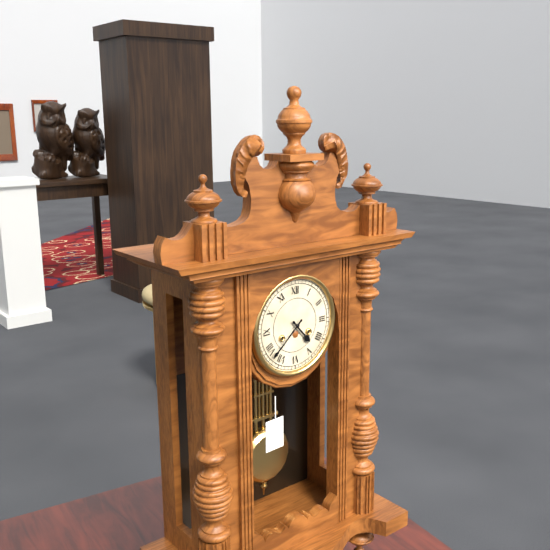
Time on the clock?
4:38
